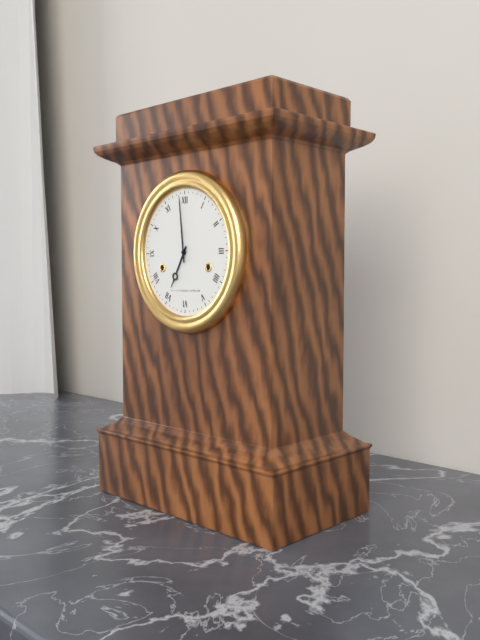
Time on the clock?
6:59
